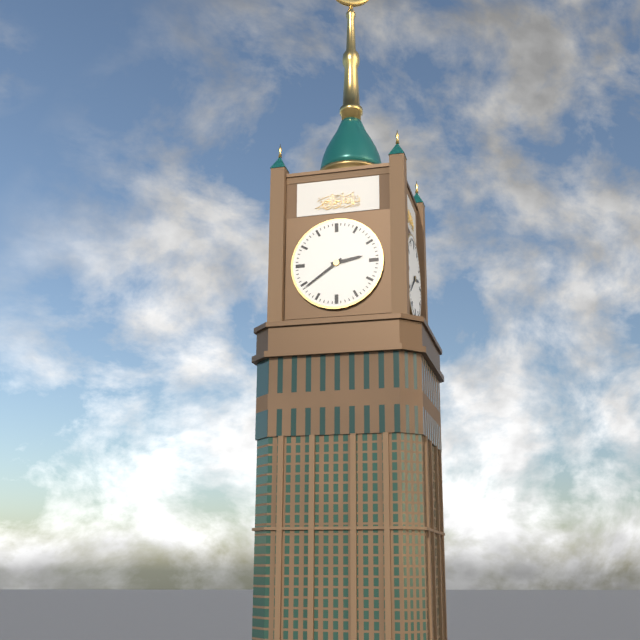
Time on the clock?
2:39
